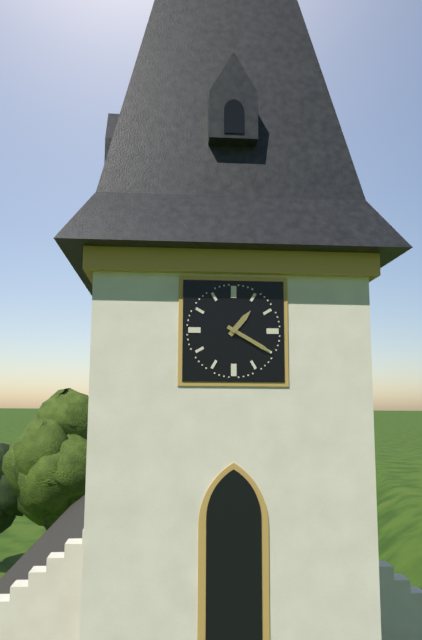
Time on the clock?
1:20
